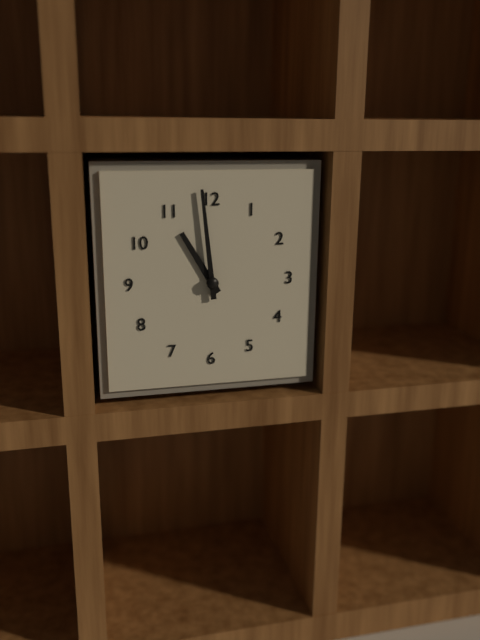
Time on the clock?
10:59
